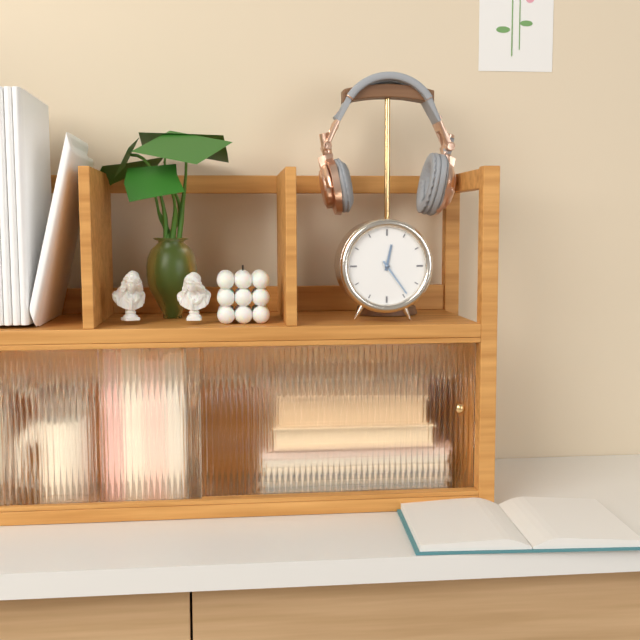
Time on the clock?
12:24
